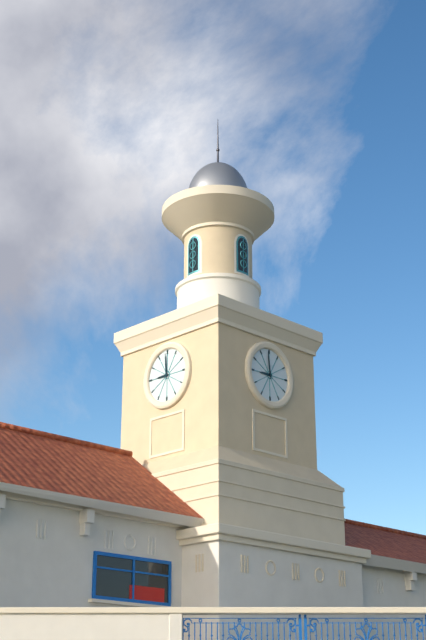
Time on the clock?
8:59
